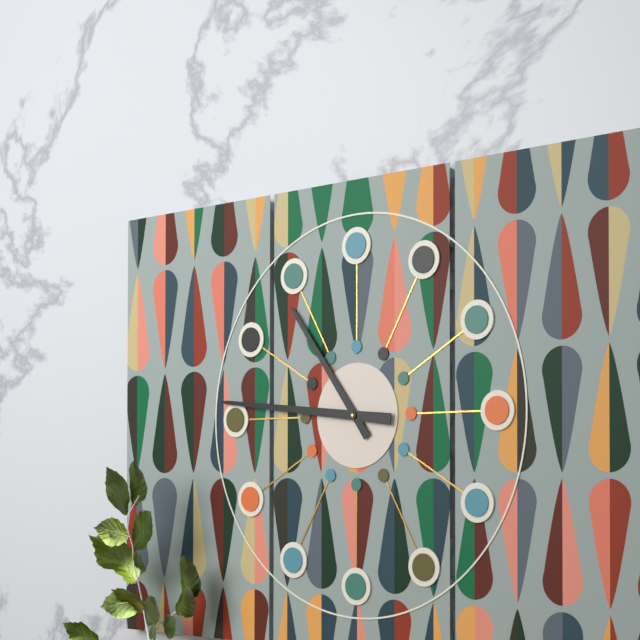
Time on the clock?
10:46
